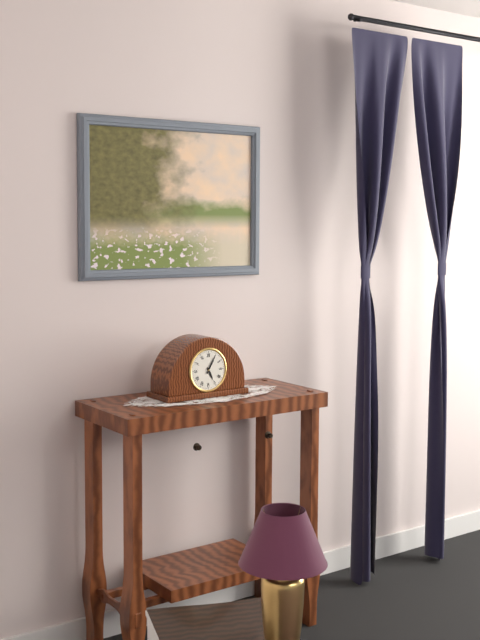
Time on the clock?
5:05
